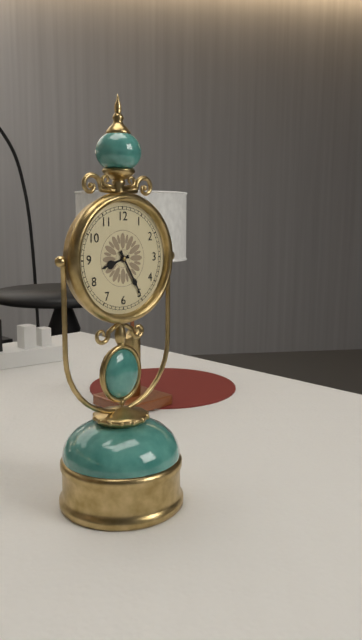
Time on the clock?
8:25
